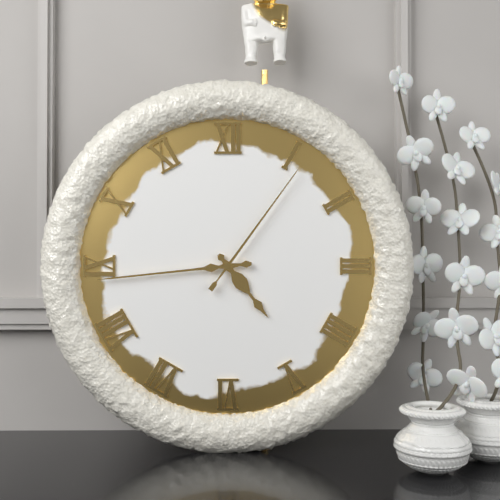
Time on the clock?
4:44:06
